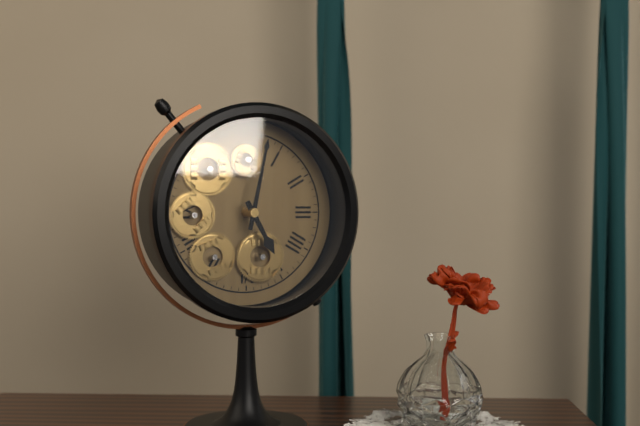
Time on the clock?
5:02
